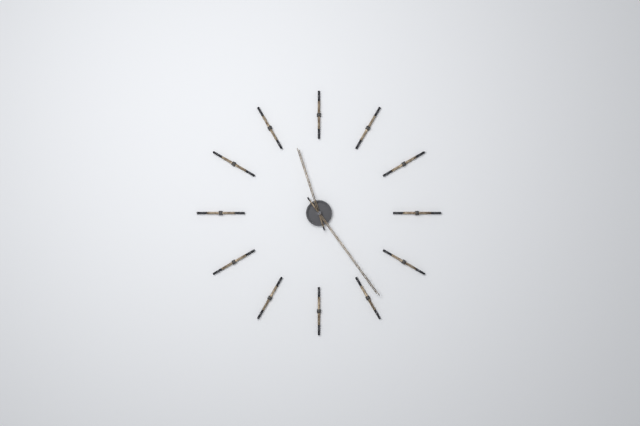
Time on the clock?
11:24
